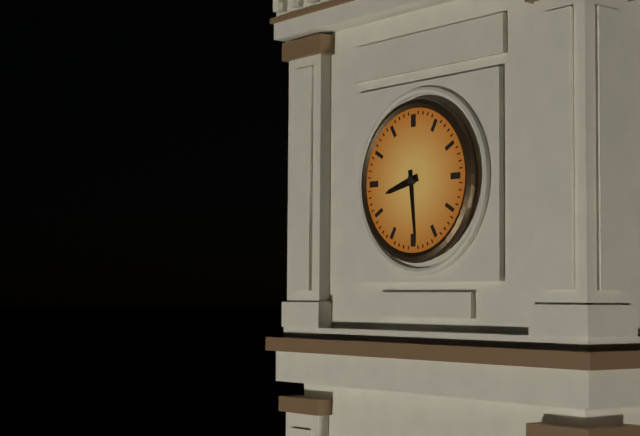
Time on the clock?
8:29
